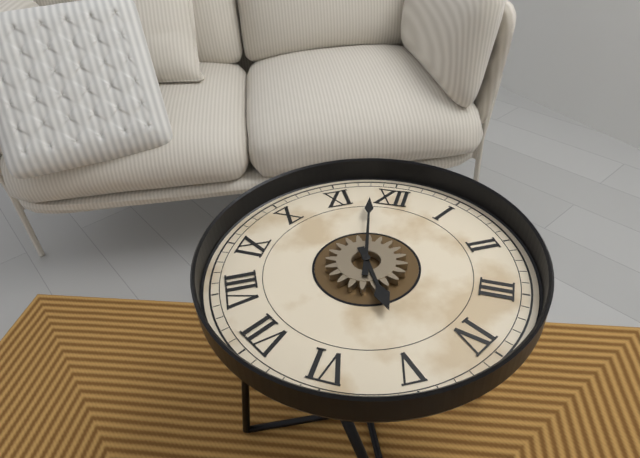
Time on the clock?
4:58
